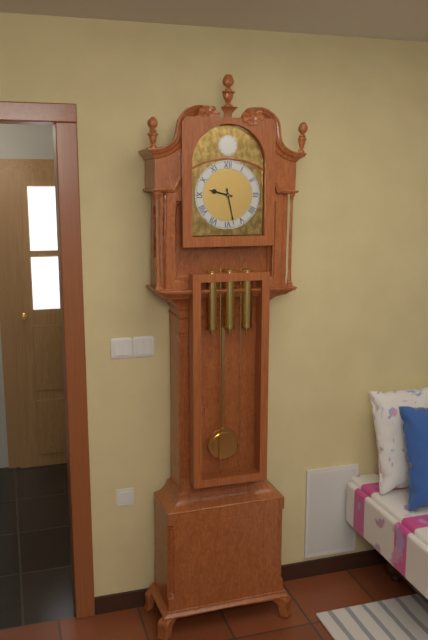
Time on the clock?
9:28
